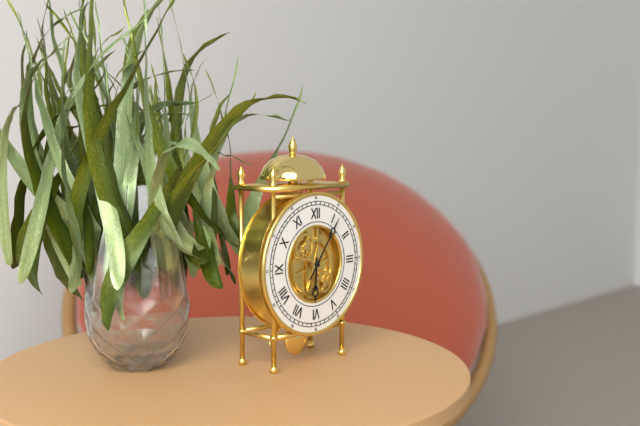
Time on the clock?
6:06
